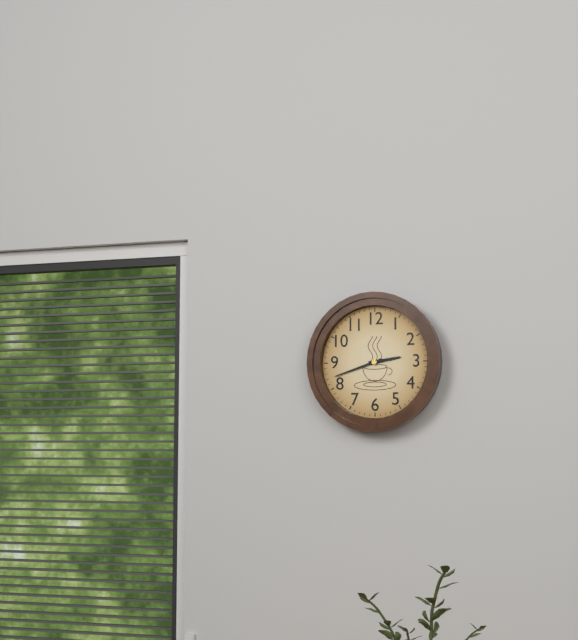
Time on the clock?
2:42
